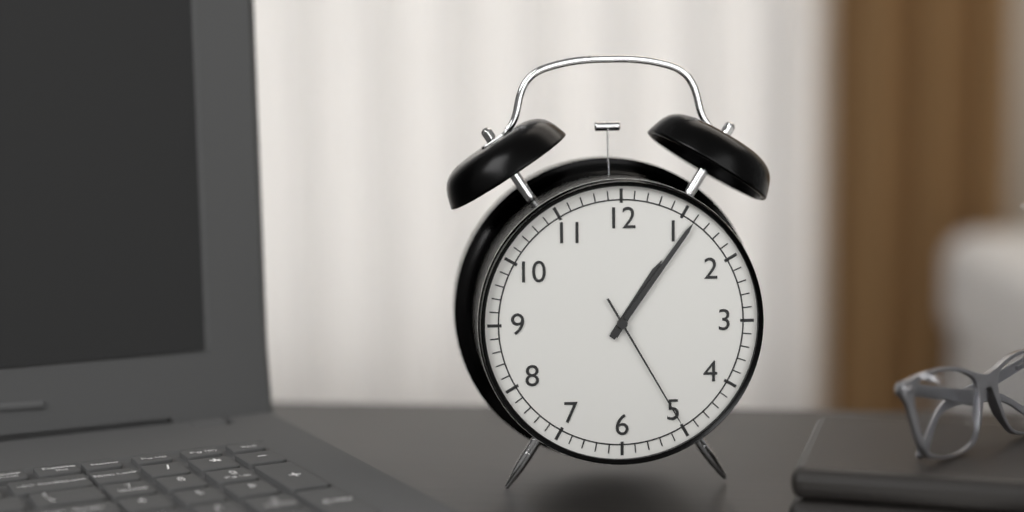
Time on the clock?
1:06:25
